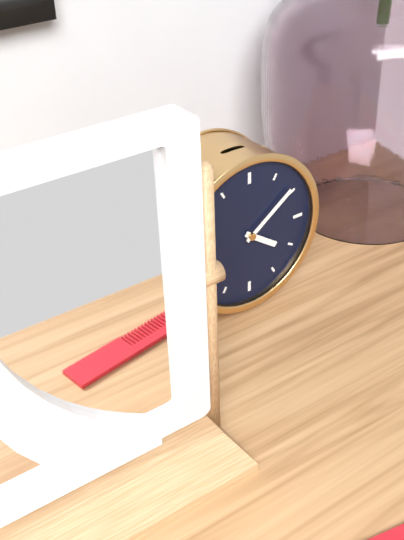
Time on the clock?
4:09
